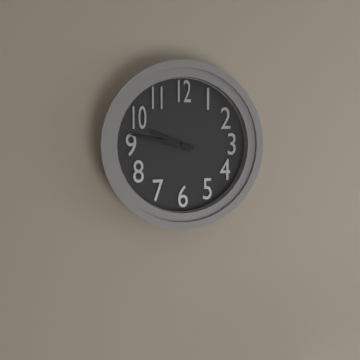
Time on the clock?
9:47
